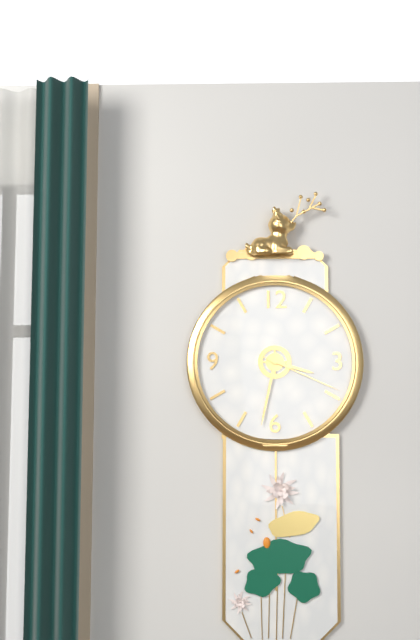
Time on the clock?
3:32:19
